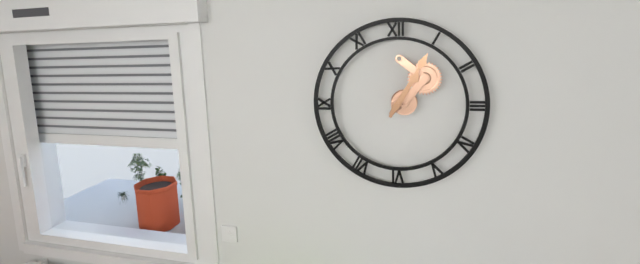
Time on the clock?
1:05
